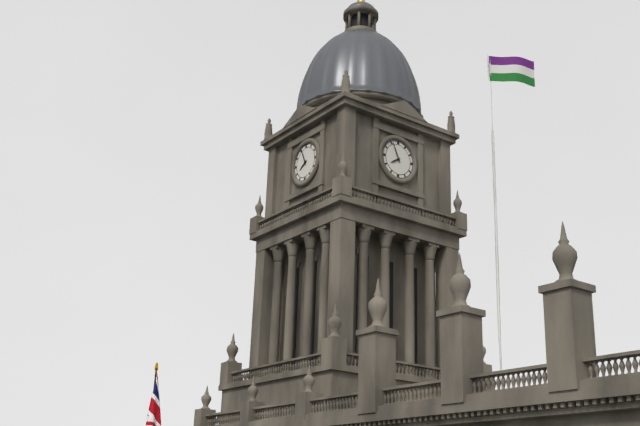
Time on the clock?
7:56
